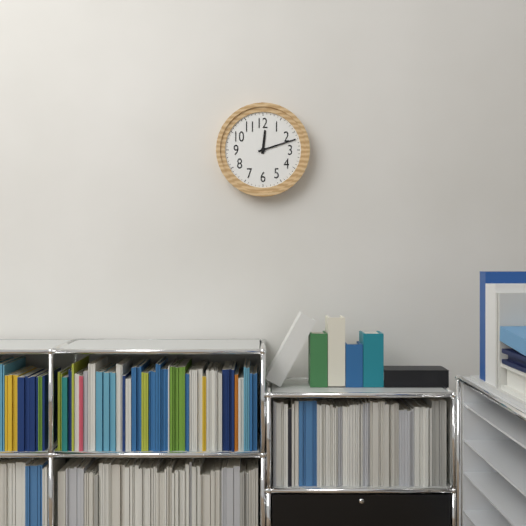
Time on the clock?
12:12
